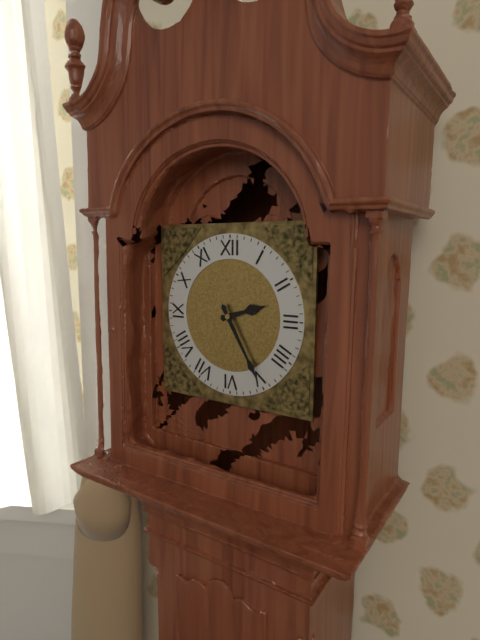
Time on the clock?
2:25
